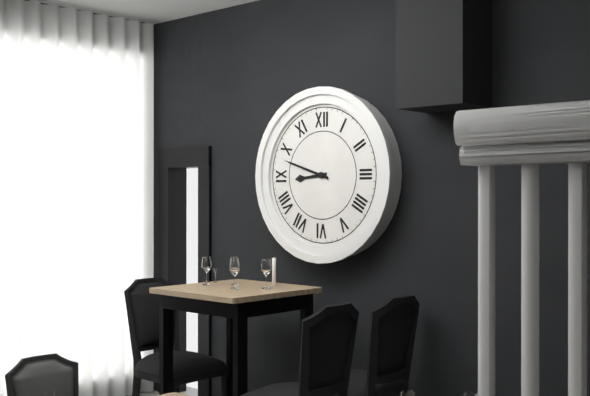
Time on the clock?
8:48
